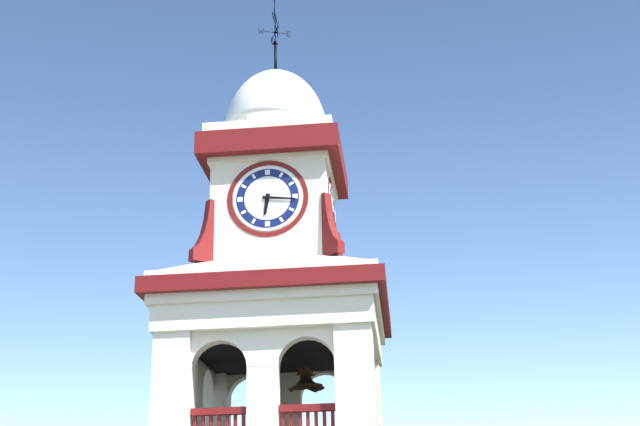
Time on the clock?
6:16
